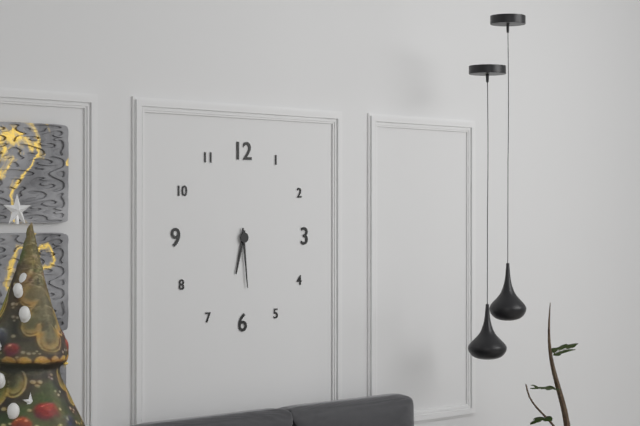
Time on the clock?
6:29
